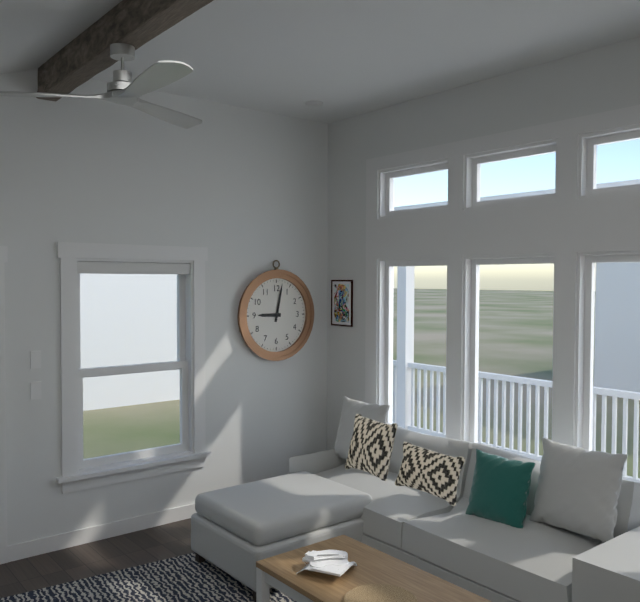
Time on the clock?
9:02
